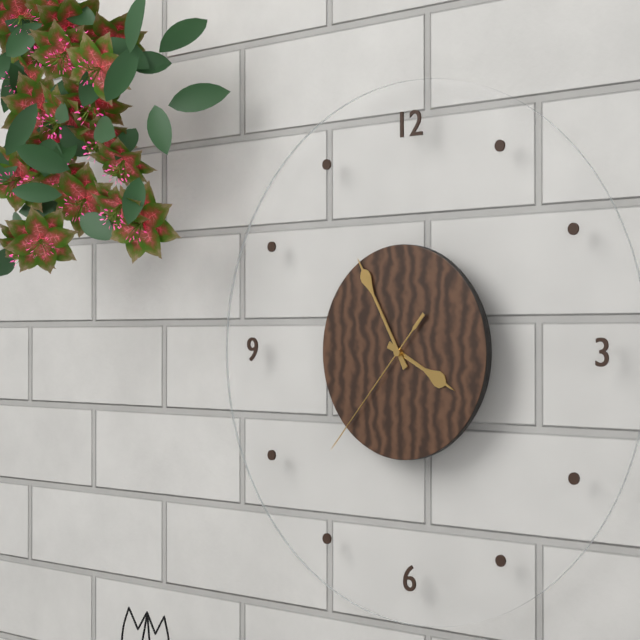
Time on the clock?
3:55:37
